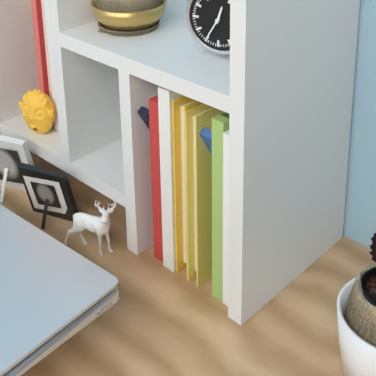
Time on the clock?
12:35
